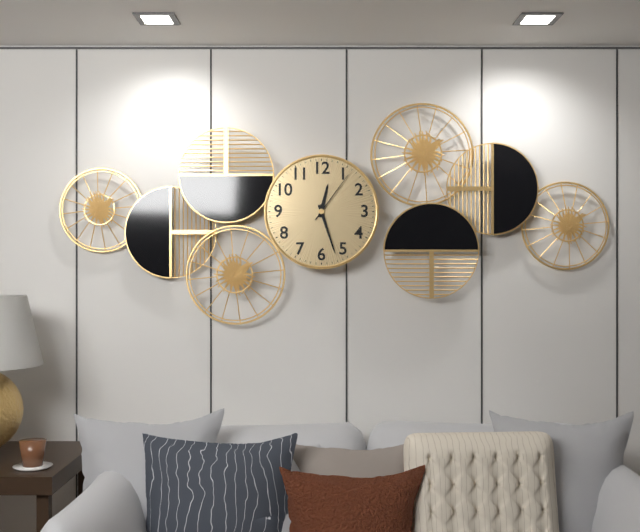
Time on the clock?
12:27:06
